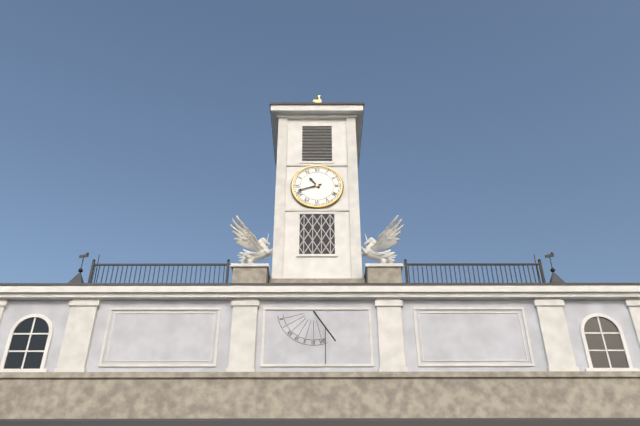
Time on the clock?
10:42
